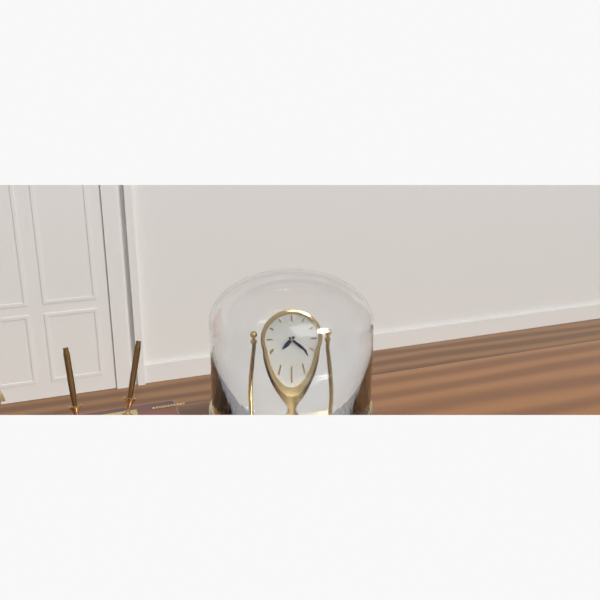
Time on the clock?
7:22
